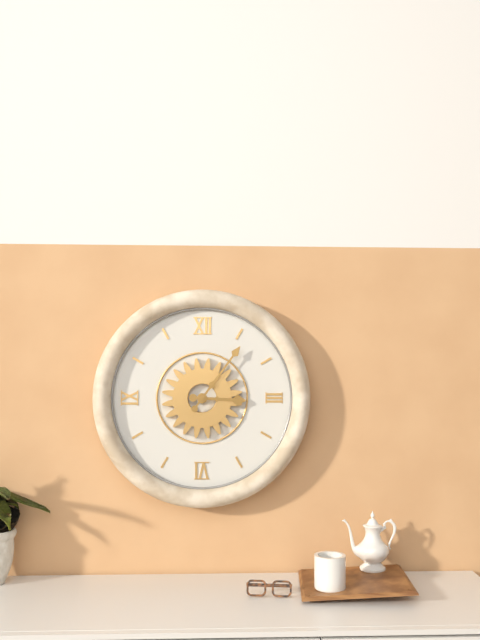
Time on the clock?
3:06
